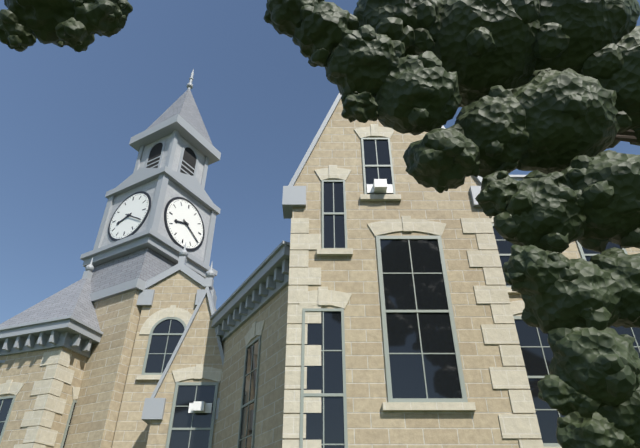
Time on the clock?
8:20
